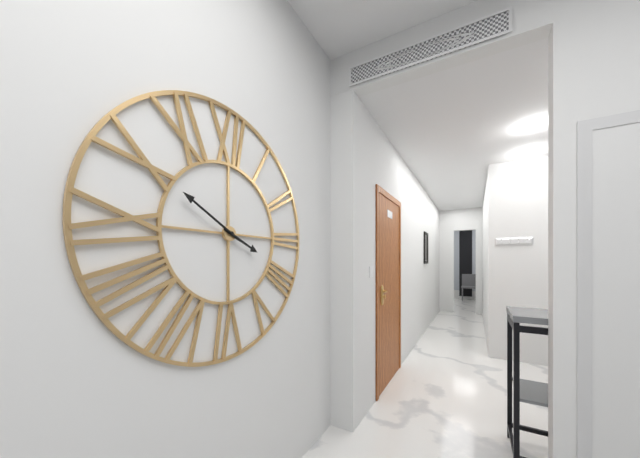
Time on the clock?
3:50
